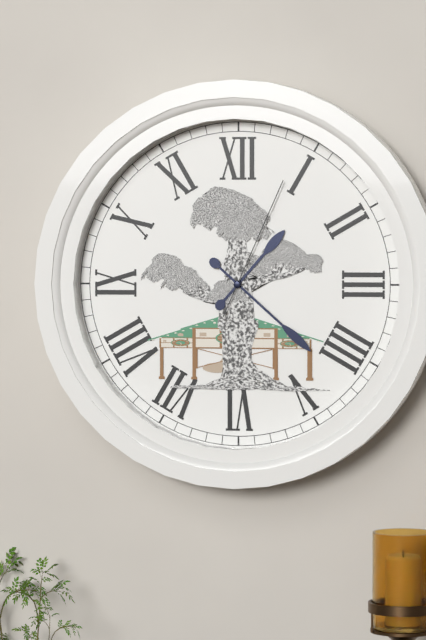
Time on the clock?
1:22:04
